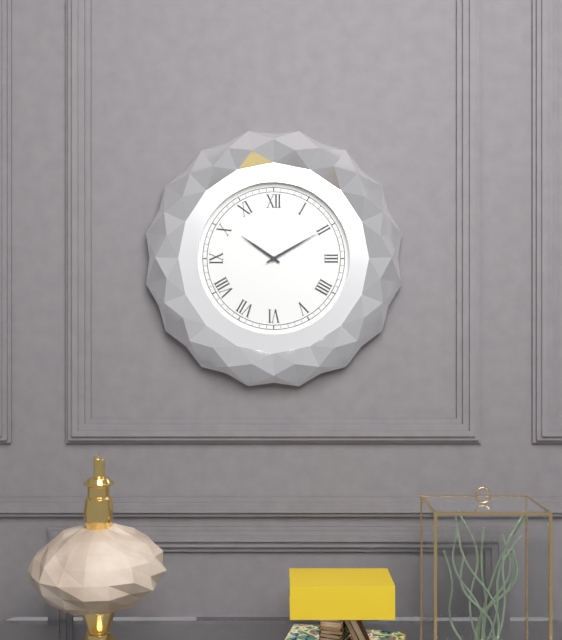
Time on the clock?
10:10
